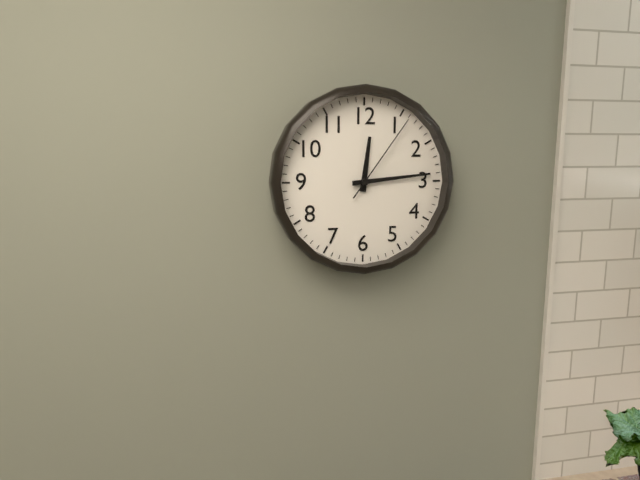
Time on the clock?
12:14:06
